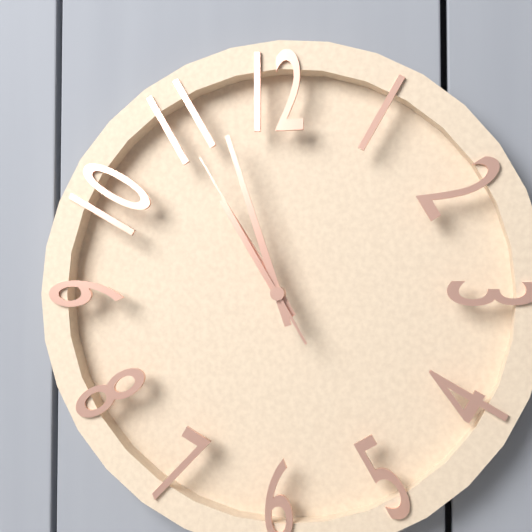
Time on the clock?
10:57:55
